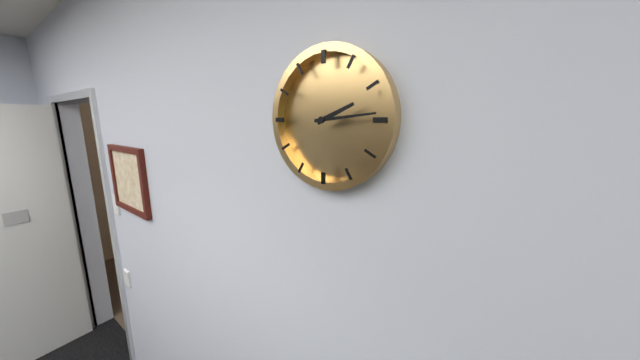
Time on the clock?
2:14
